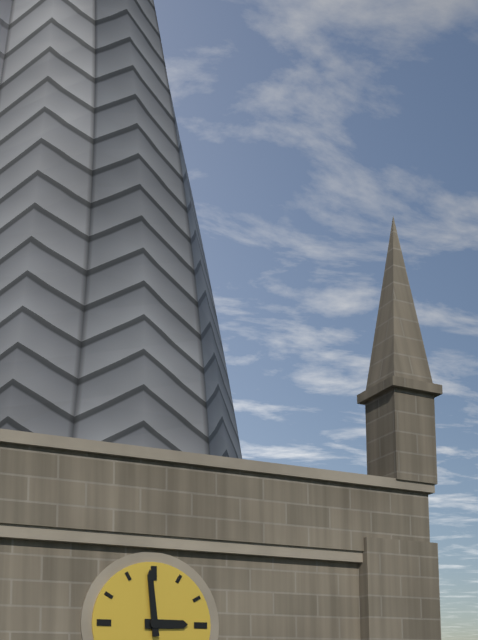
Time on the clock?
2:59
